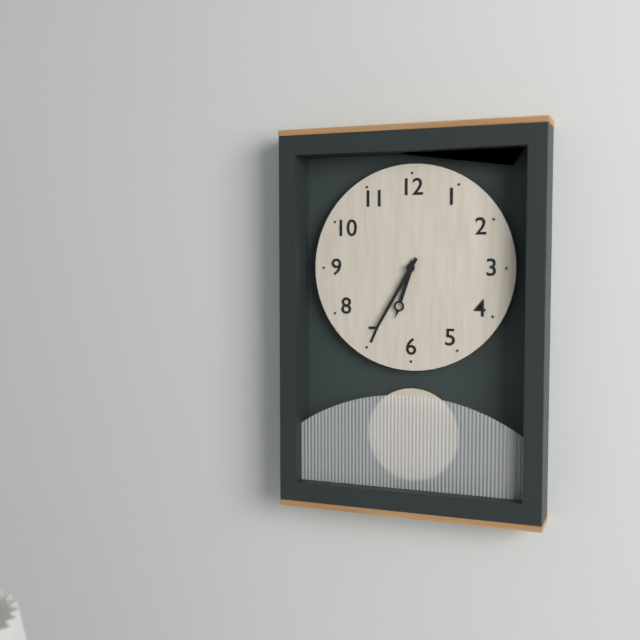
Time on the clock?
6:35
